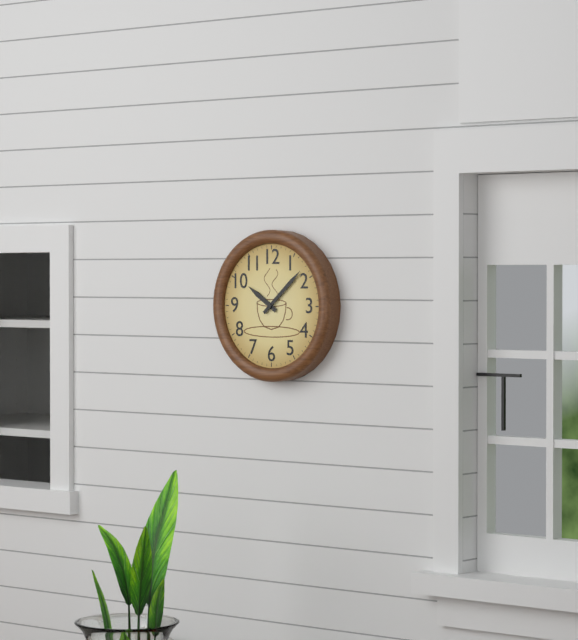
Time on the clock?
10:08
